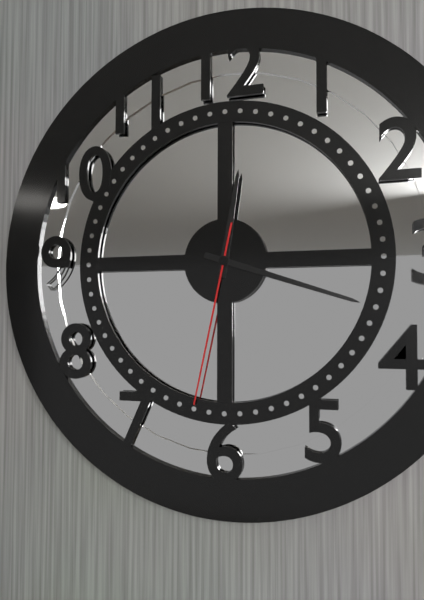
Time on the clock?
12:18:32
